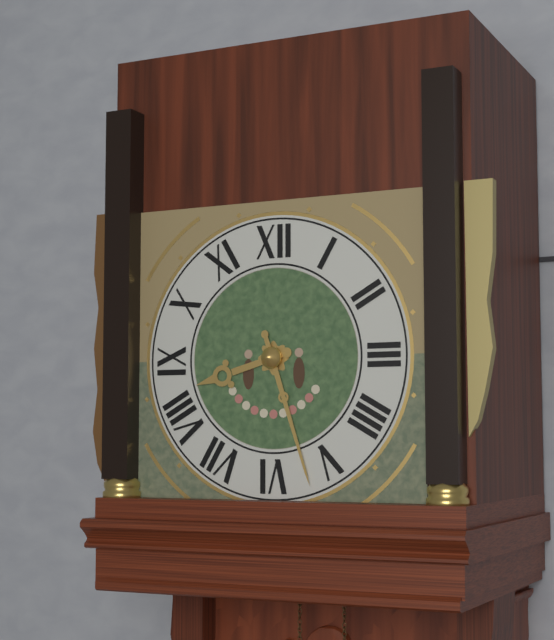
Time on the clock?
8:27
